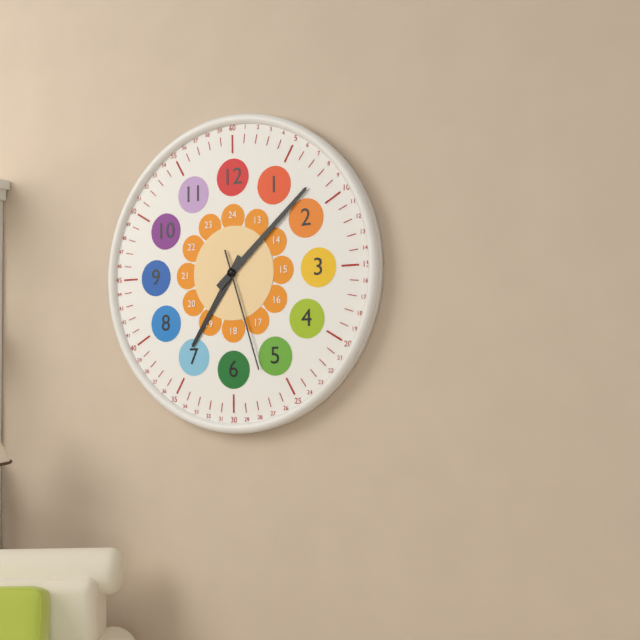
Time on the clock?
7:08:27
